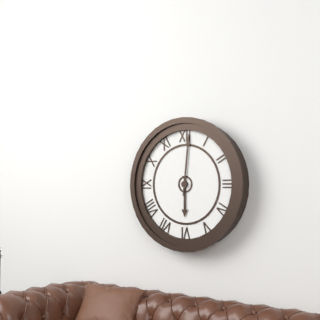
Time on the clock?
6:01
